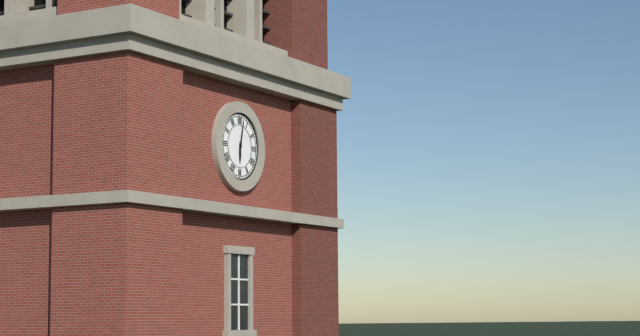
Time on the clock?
6:02
